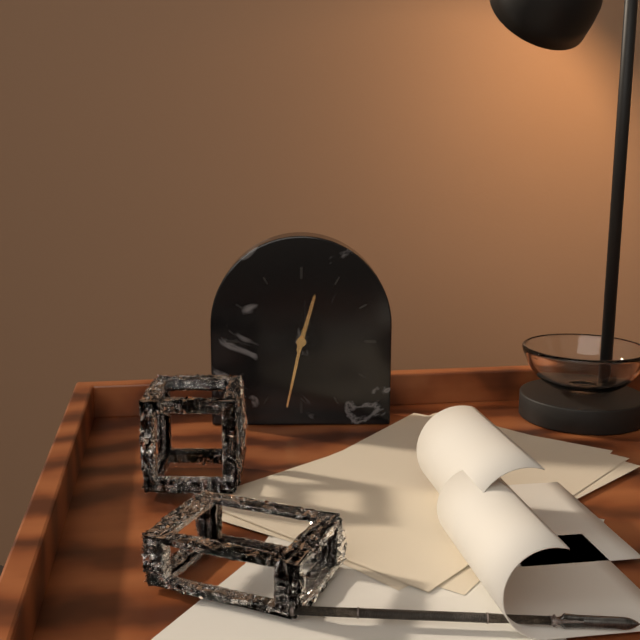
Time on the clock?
12:32
